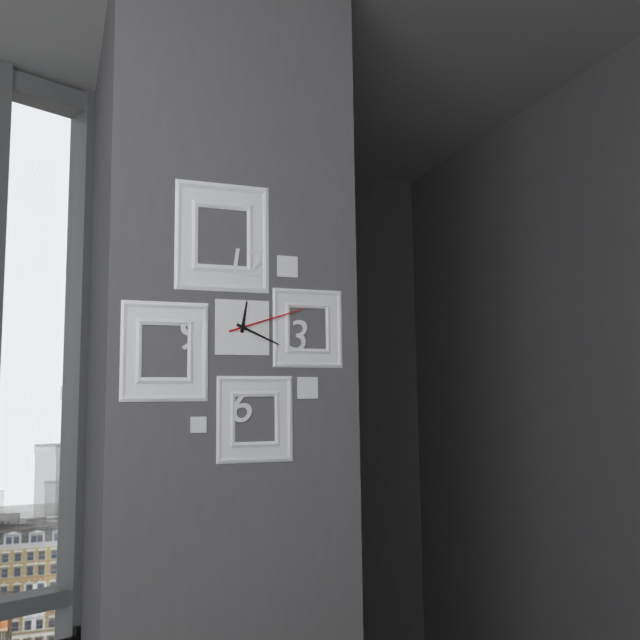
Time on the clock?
12:19:12
